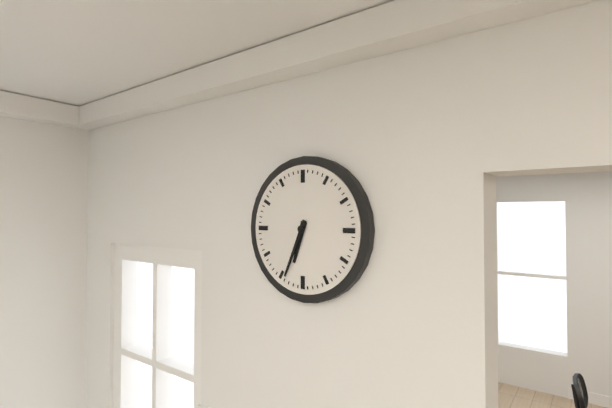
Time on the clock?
6:34
